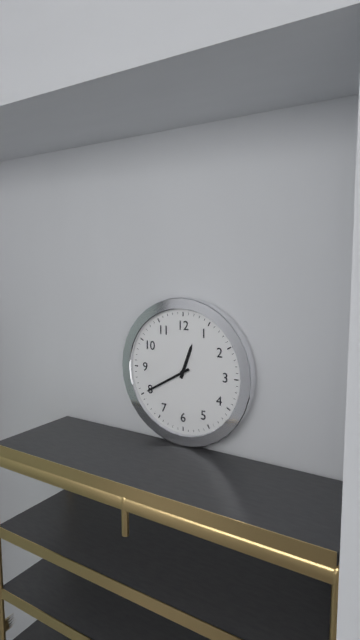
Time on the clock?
12:40
